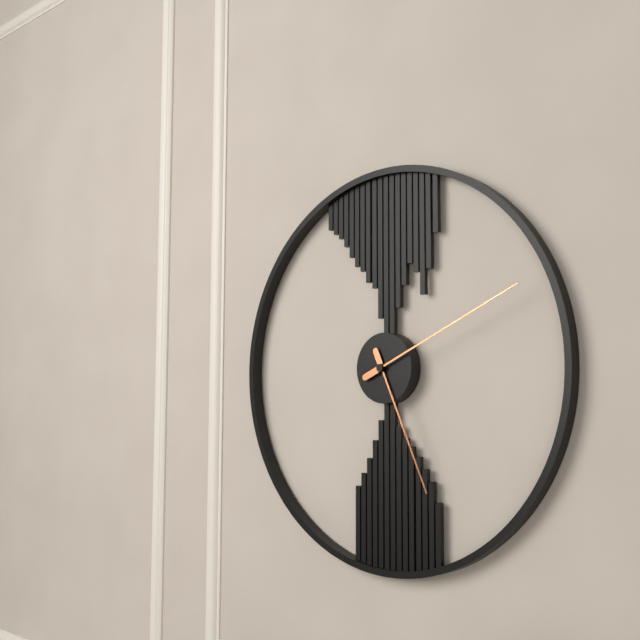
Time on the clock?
5:11
